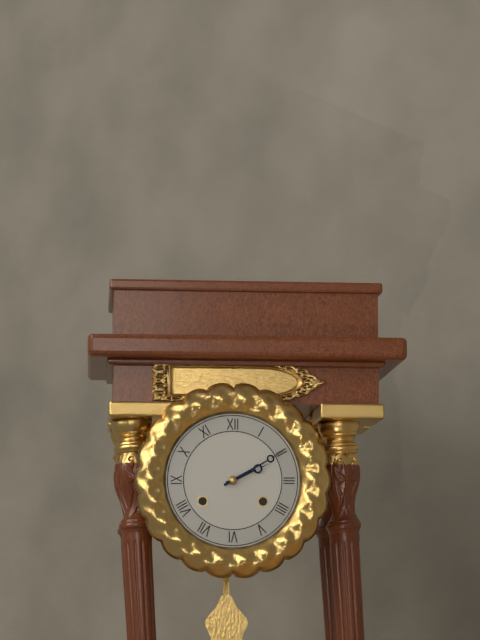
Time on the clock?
2:10
